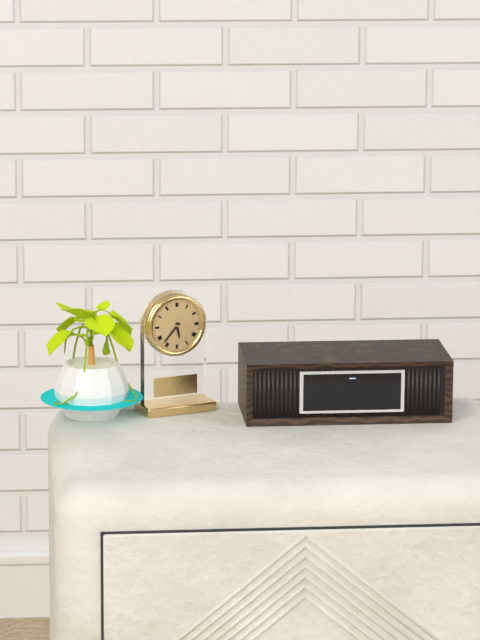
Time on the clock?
5:37
